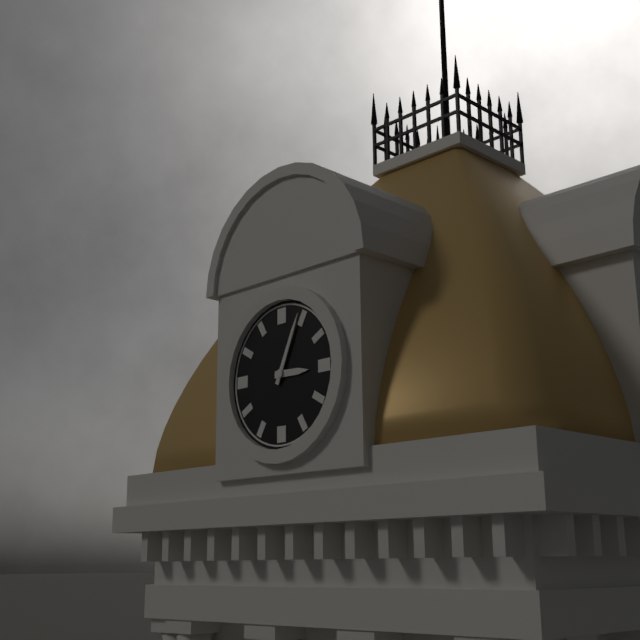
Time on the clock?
3:04
